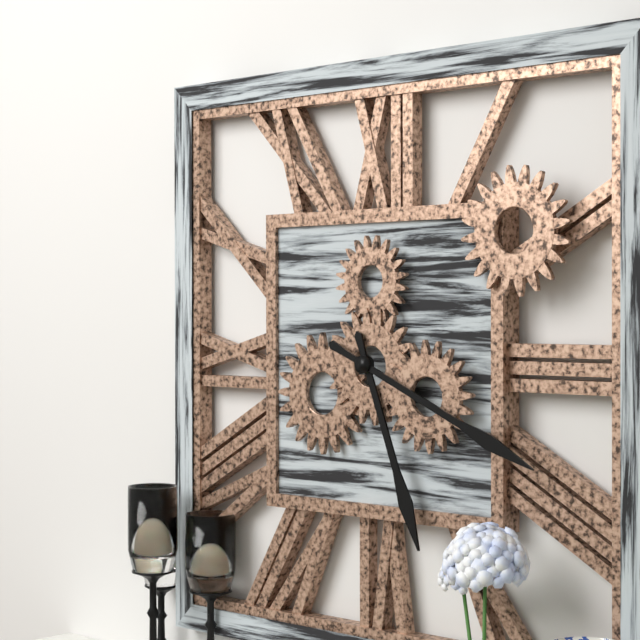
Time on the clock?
5:19
